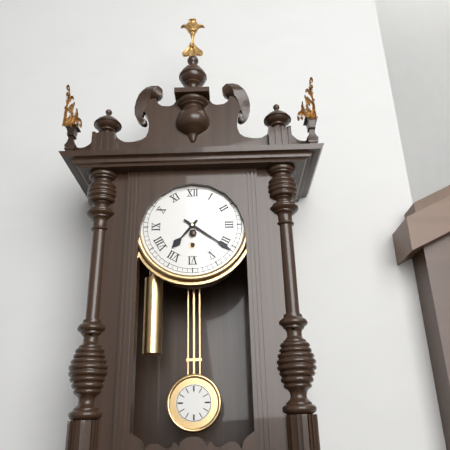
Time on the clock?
7:21
